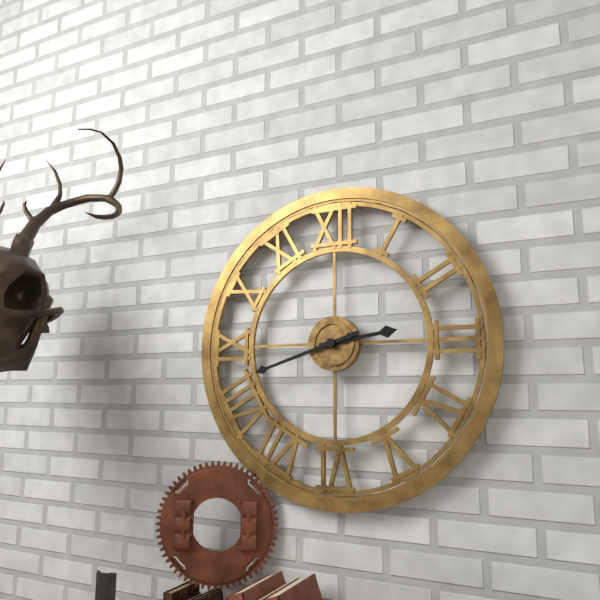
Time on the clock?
2:42
